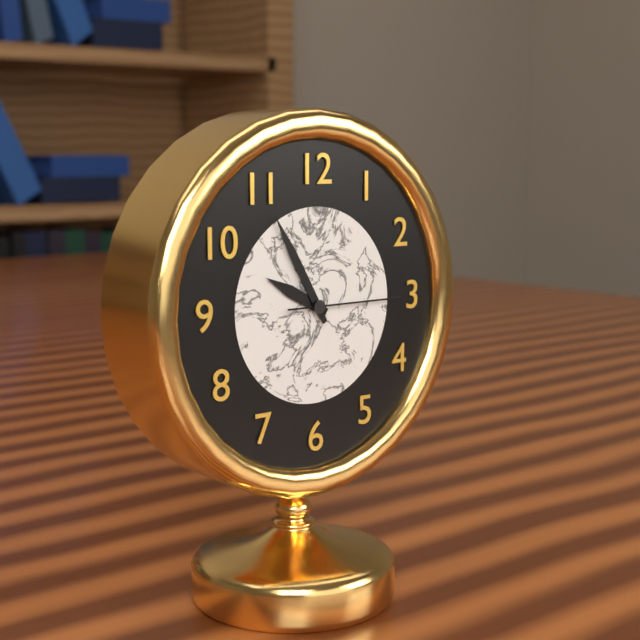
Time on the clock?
9:55:15
